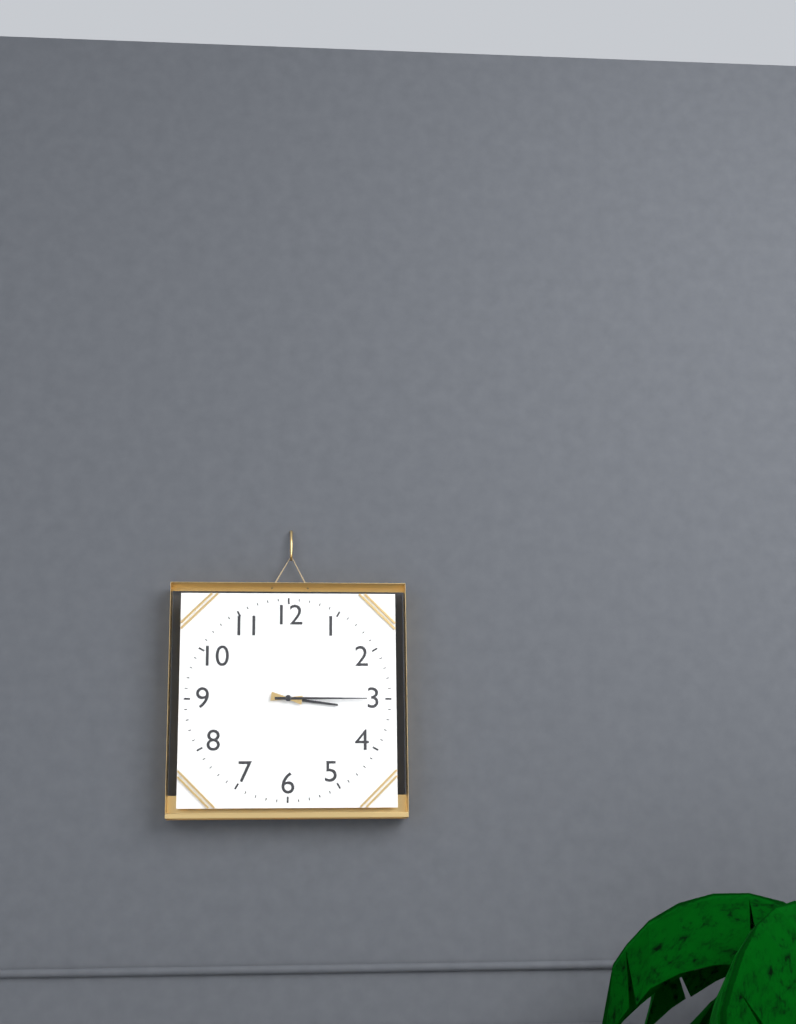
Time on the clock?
3:15
